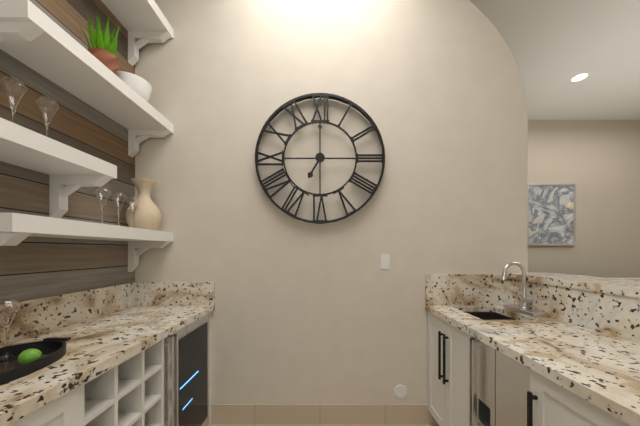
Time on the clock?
7:00
